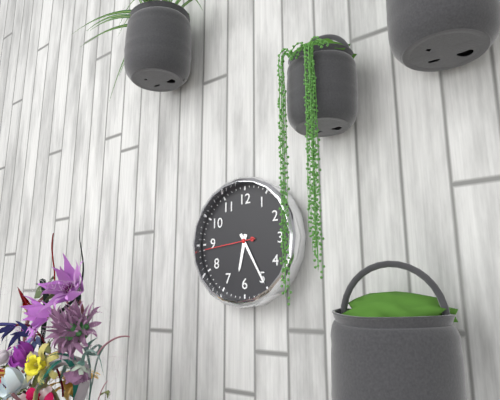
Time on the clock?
6:25:44
